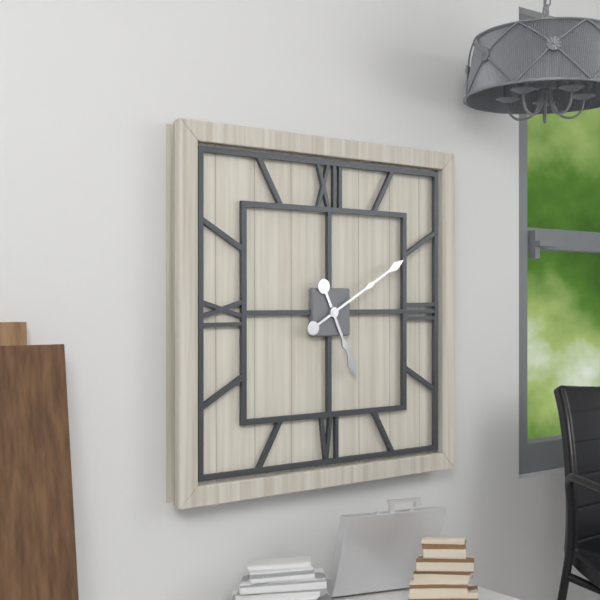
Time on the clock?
5:10
